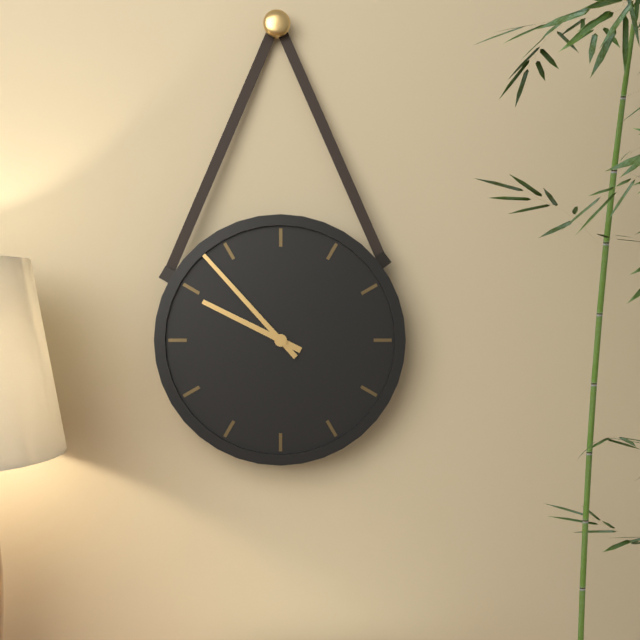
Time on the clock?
9:53
